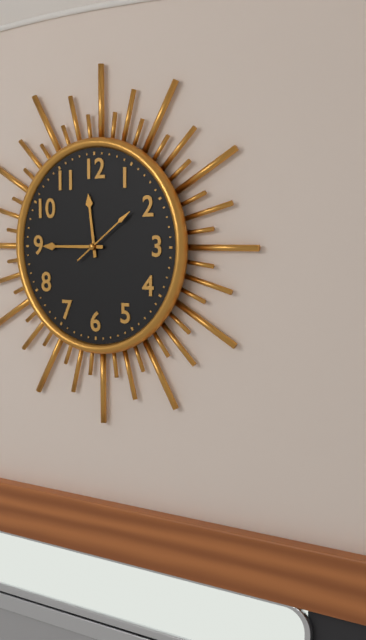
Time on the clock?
11:45:09
